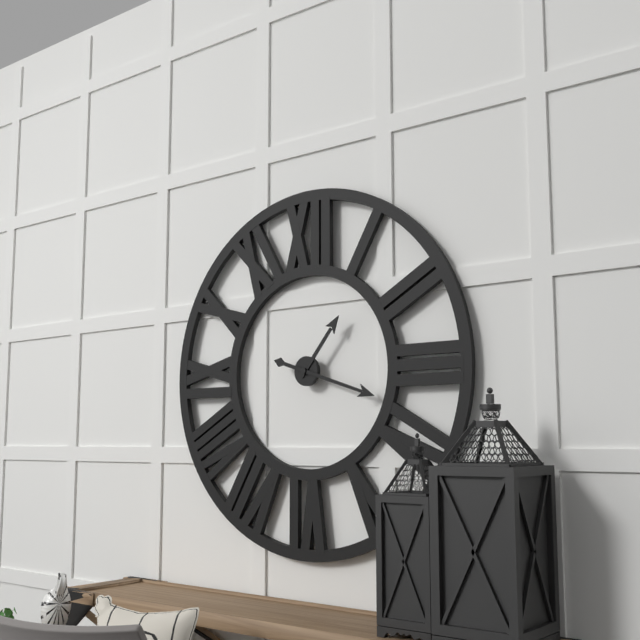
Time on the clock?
1:18
